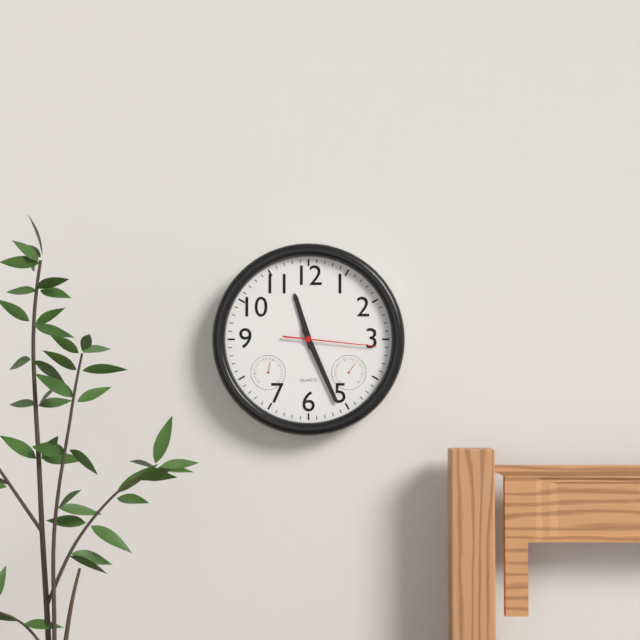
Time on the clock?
11:26:16
